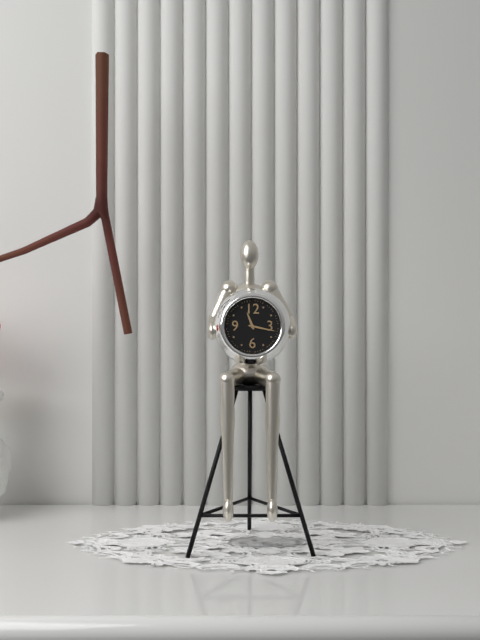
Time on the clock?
11:17
